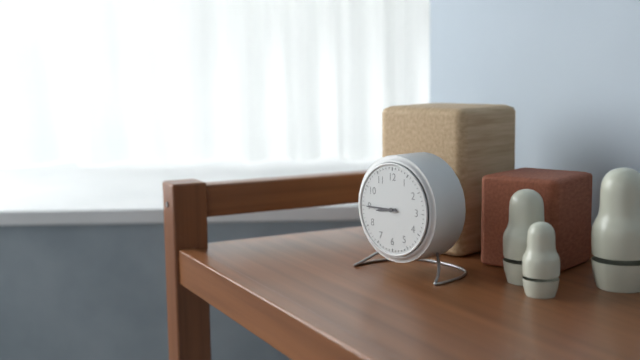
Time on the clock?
8:45
